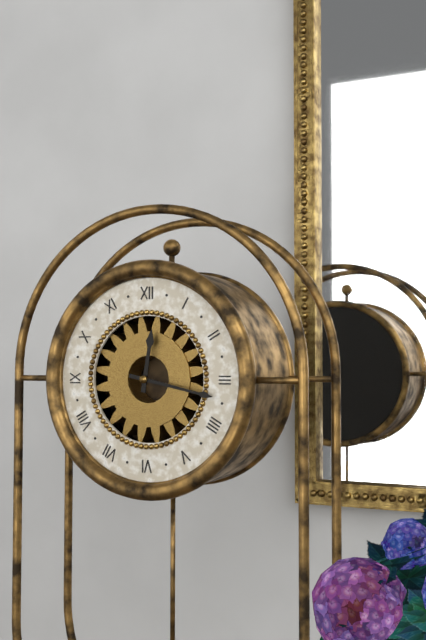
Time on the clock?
12:17
